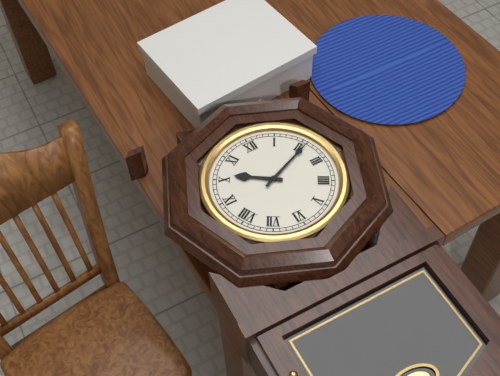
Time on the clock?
10:11
